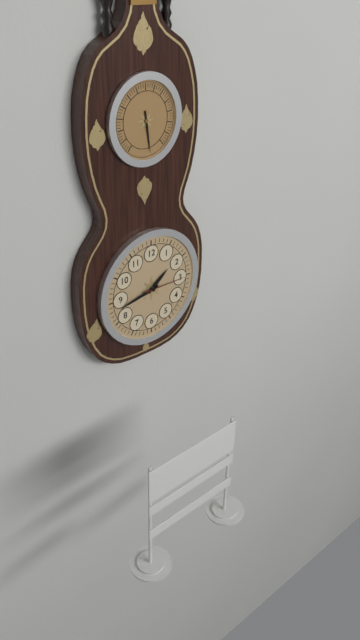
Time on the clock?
1:43
